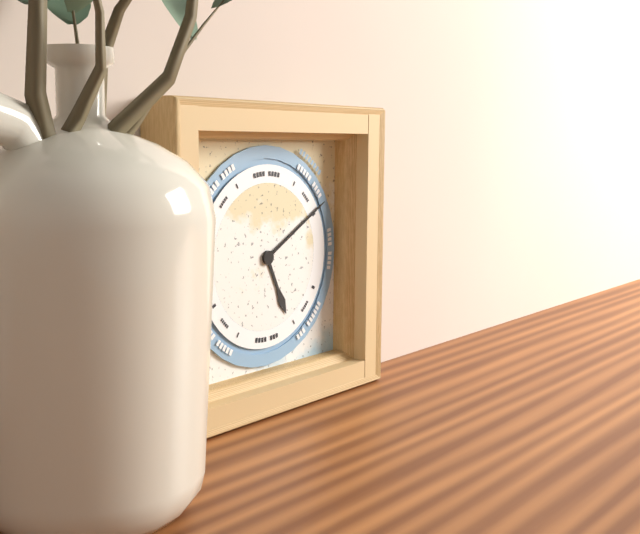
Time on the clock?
5:10
